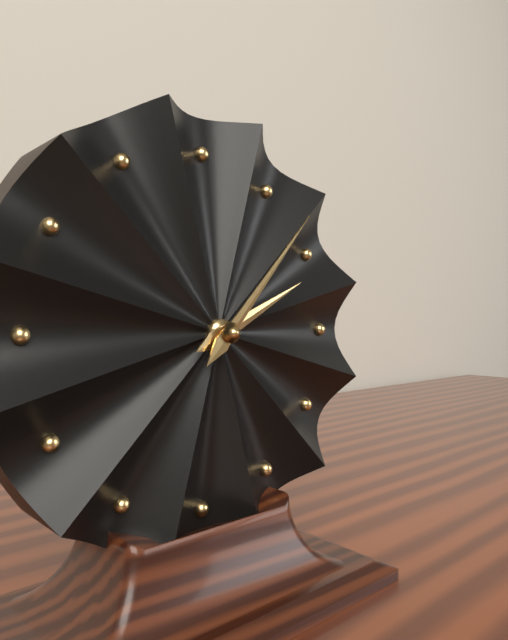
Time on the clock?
2:07
